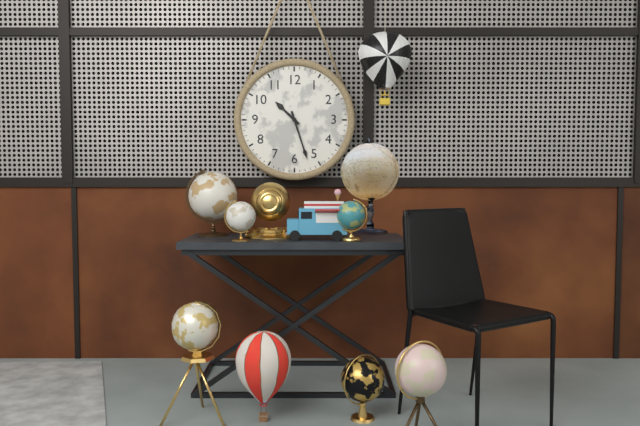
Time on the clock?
10:27
